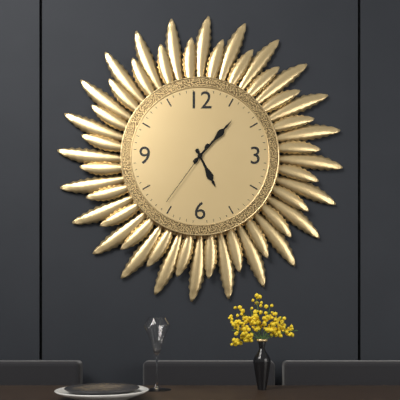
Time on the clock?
5:07:36
